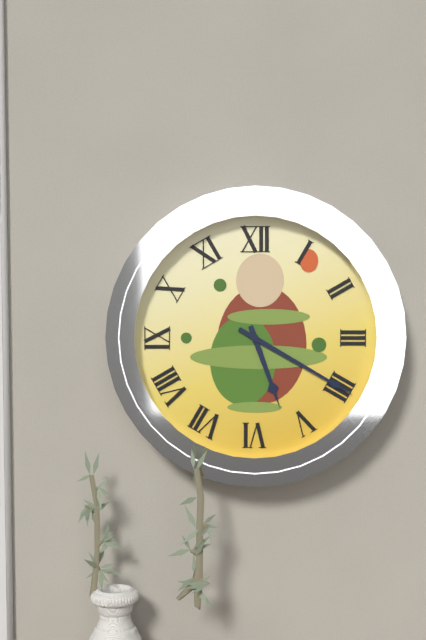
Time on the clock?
5:20
